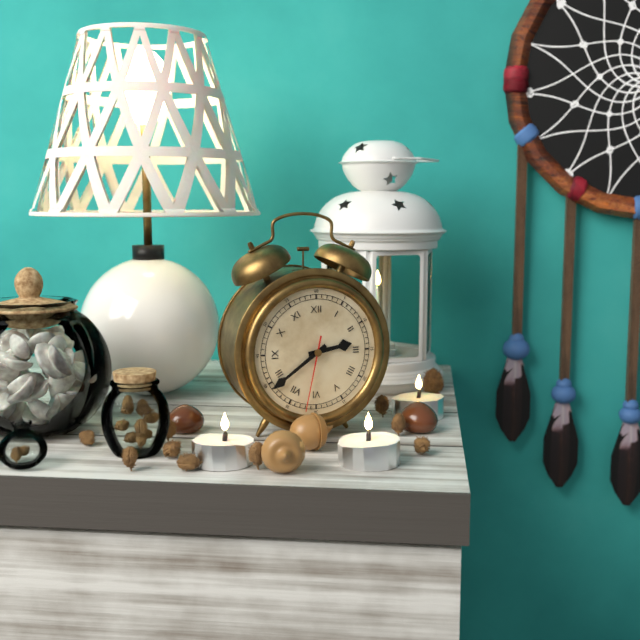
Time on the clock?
2:39:32
